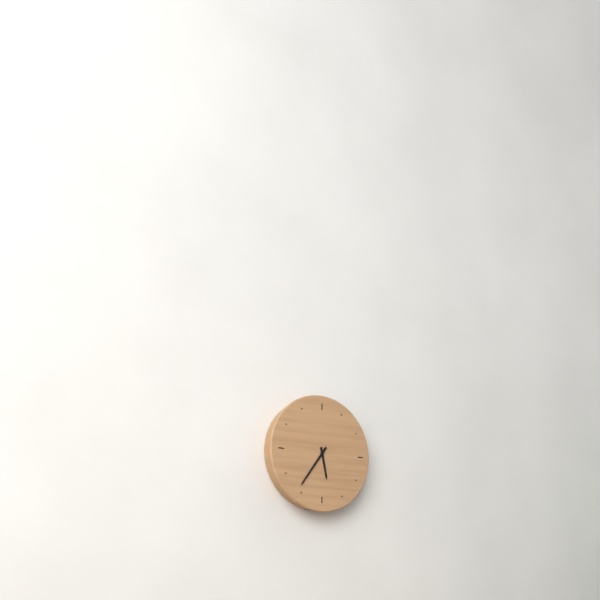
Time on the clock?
5:36
